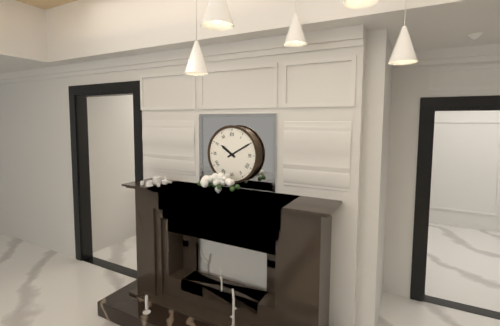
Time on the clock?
10:10
